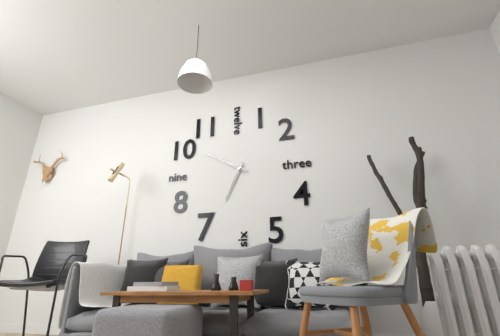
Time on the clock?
6:50
